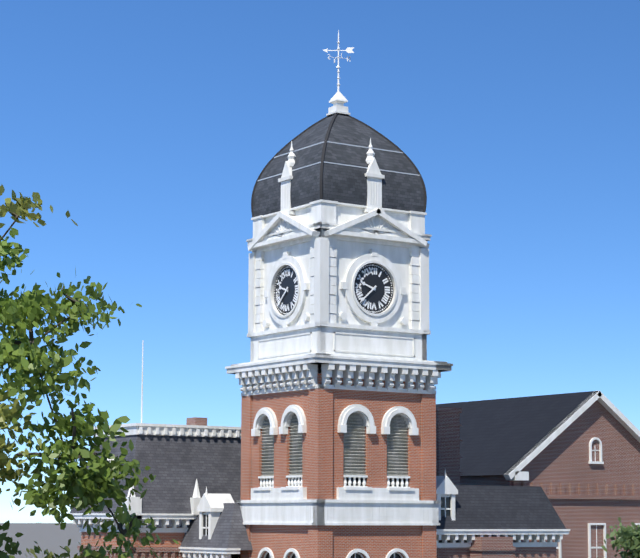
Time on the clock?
9:38
